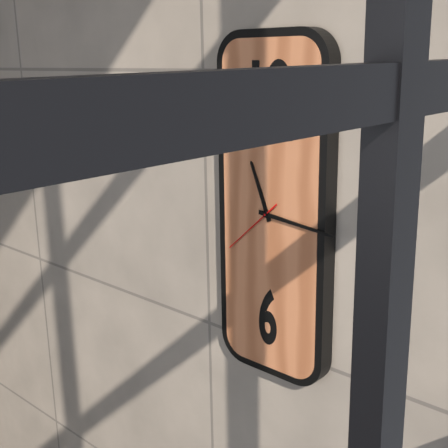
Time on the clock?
11:16:38
